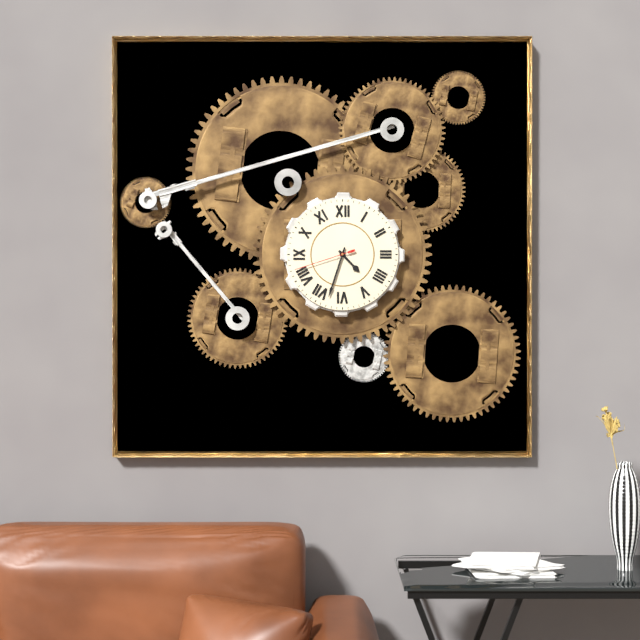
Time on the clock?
4:33:42
